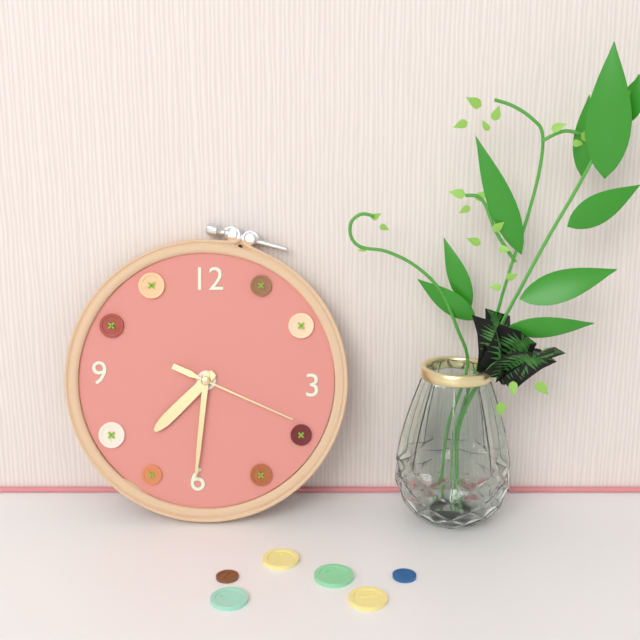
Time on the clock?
7:31:19
